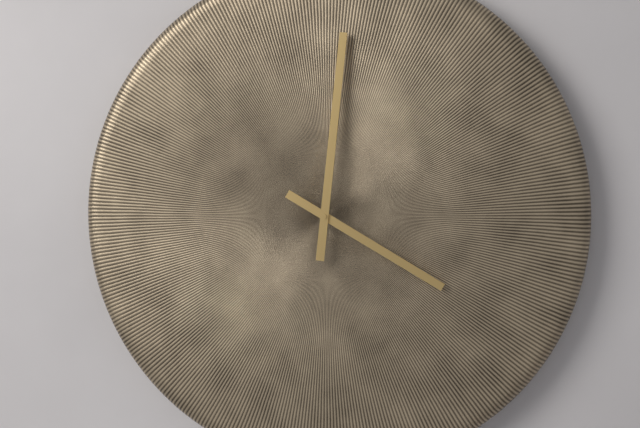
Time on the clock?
4:01
